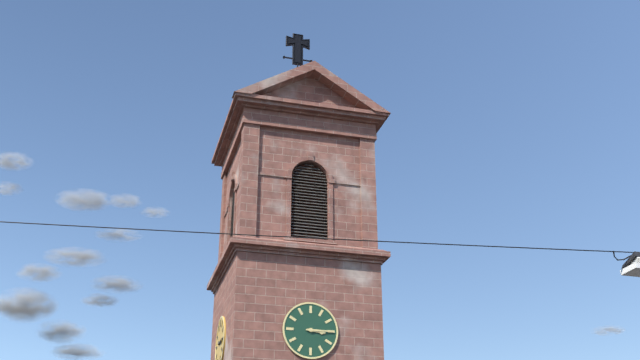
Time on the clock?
3:15
